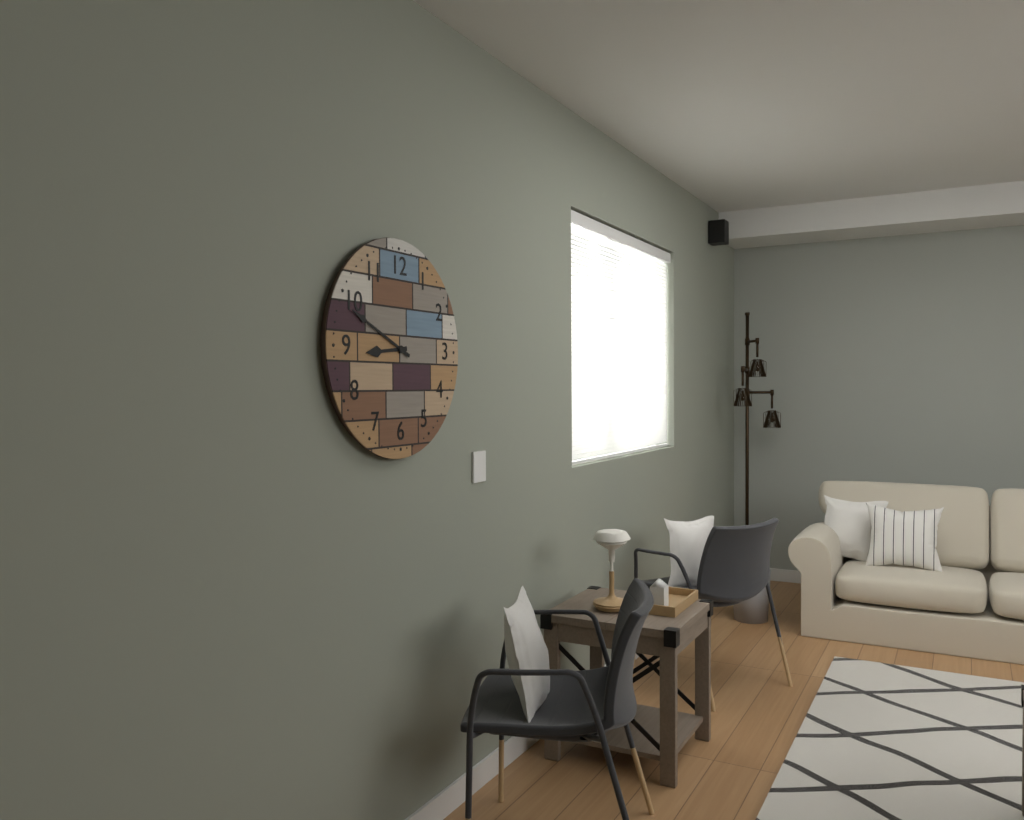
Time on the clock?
8:49
